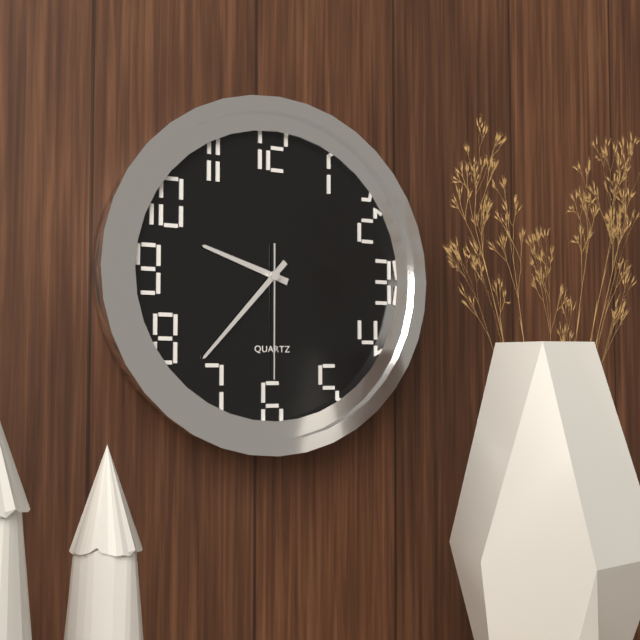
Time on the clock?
9:37:30
